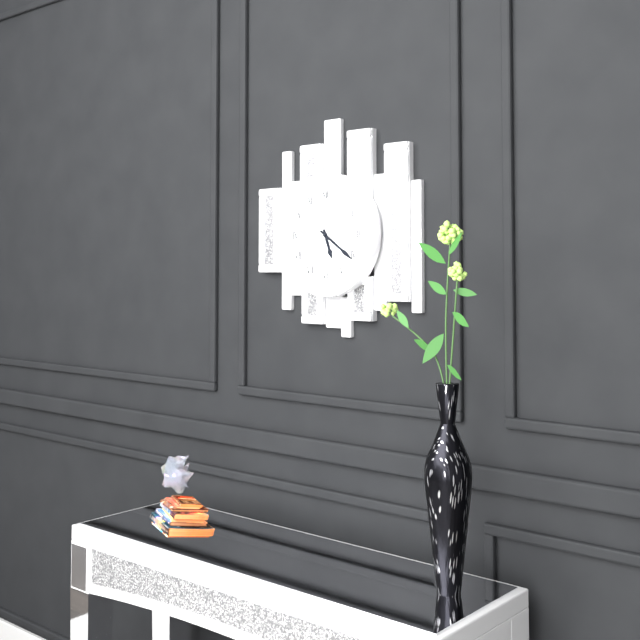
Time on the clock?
5:21
